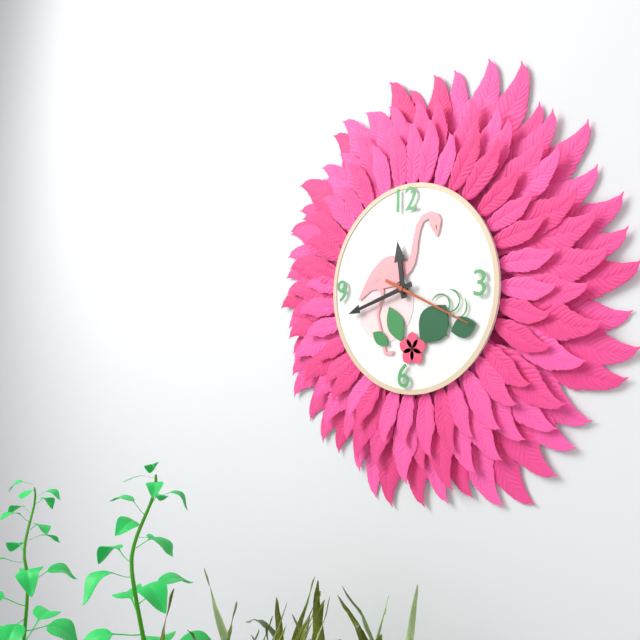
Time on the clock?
11:42:19
